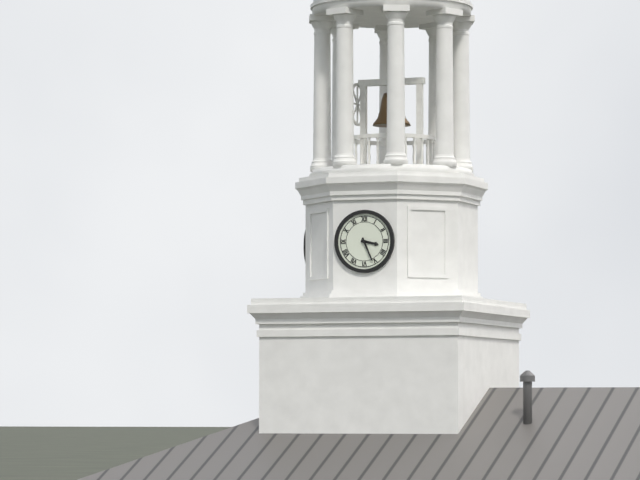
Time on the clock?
3:26
